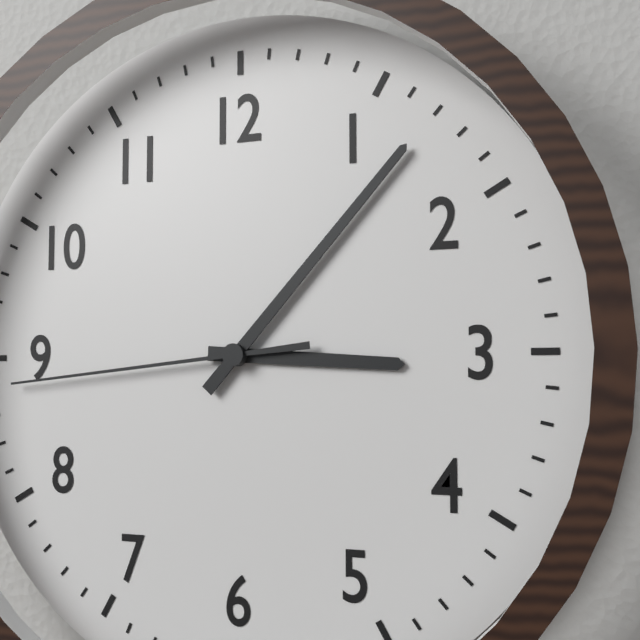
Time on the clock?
3:07:44
